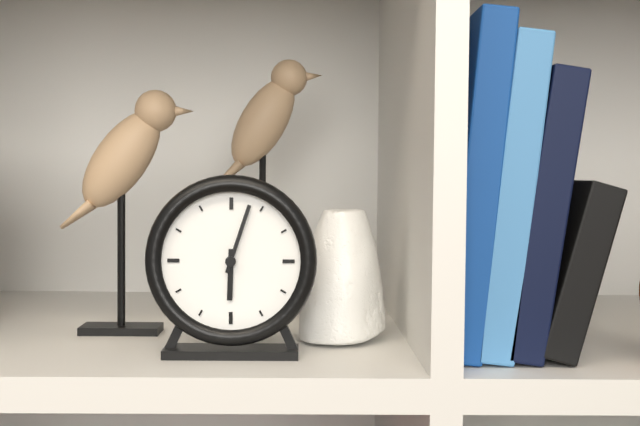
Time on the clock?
6:03
